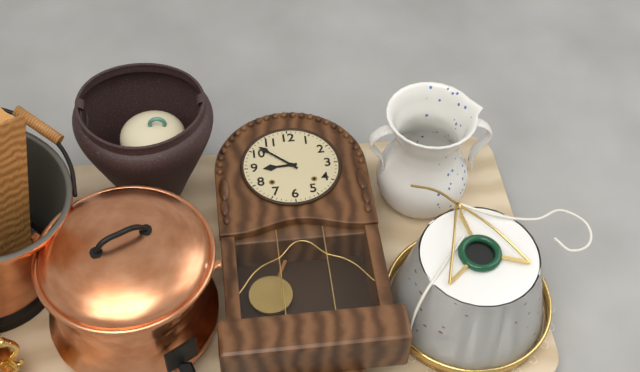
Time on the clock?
8:52
